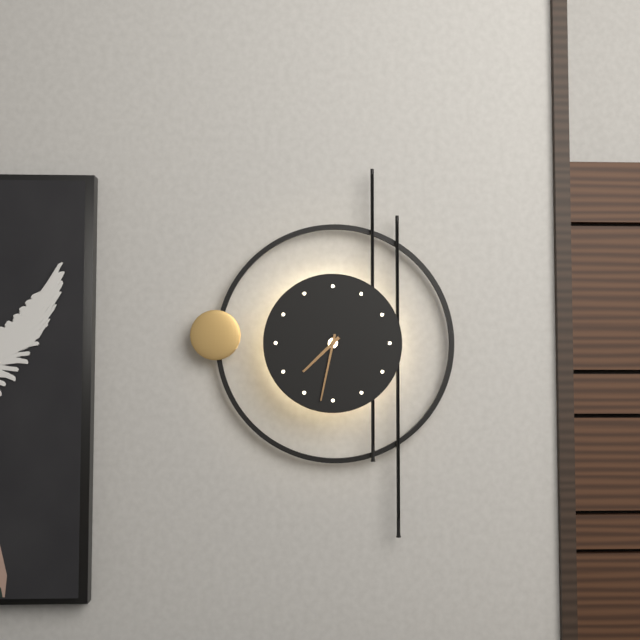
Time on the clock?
7:32
